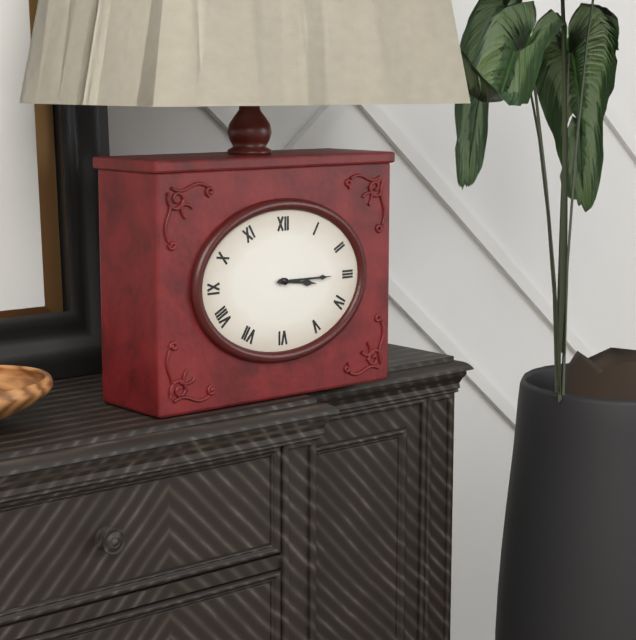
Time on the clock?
3:15
